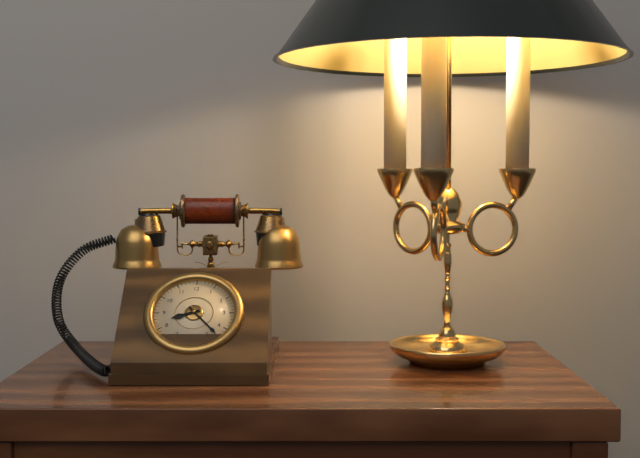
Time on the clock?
8:23
